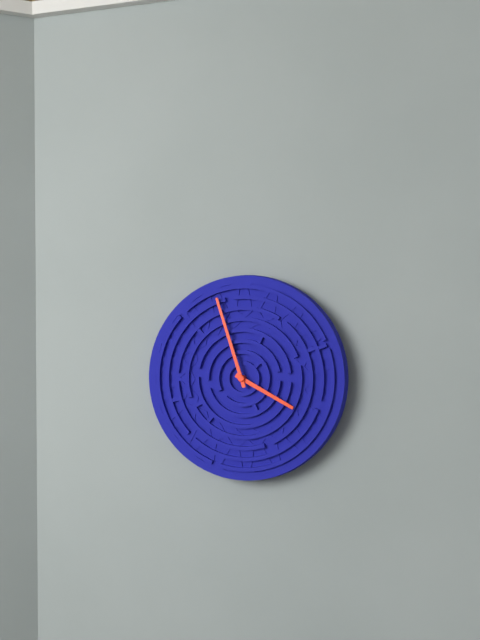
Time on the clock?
3:57
